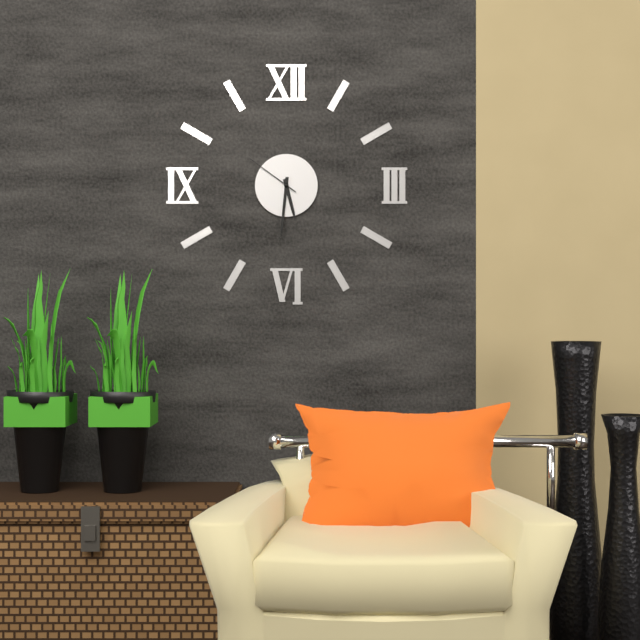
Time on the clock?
5:31:51
